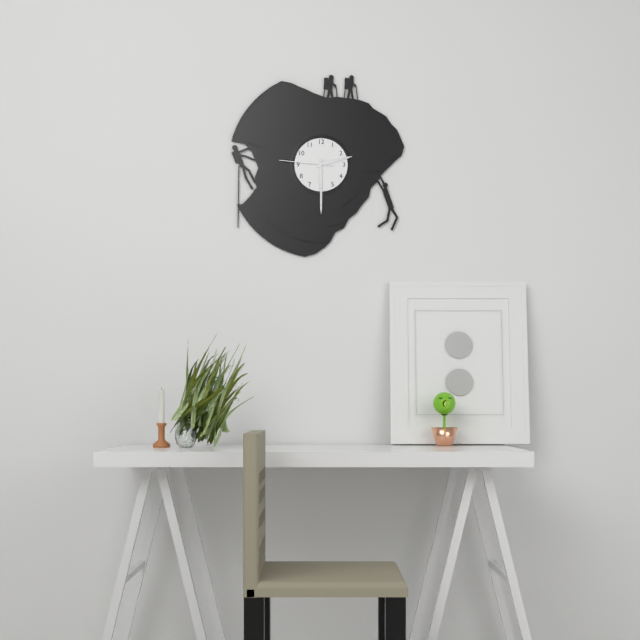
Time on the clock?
2:30:46
